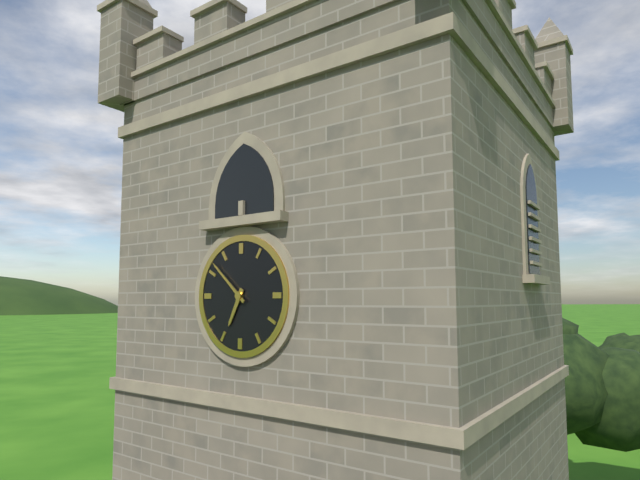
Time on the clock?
6:52
